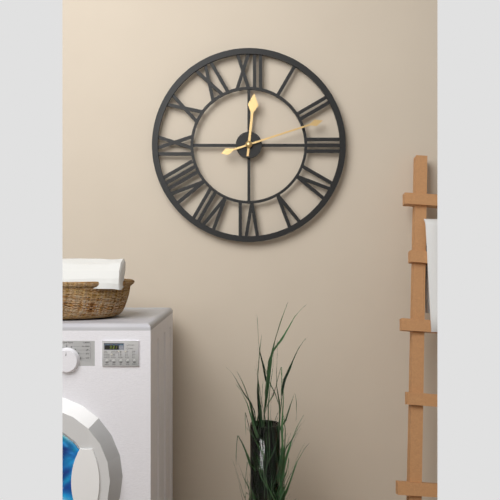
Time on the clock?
12:12
